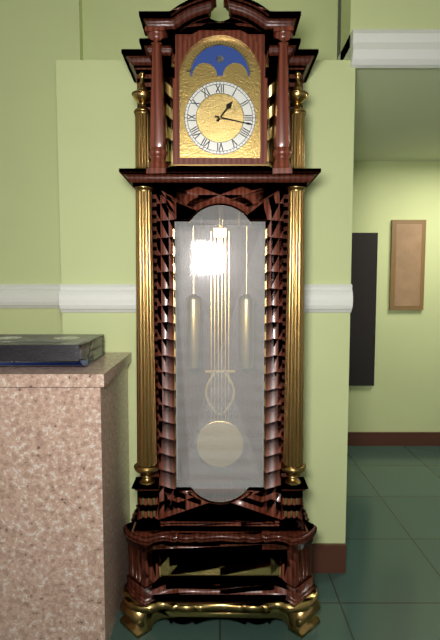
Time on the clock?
1:17
